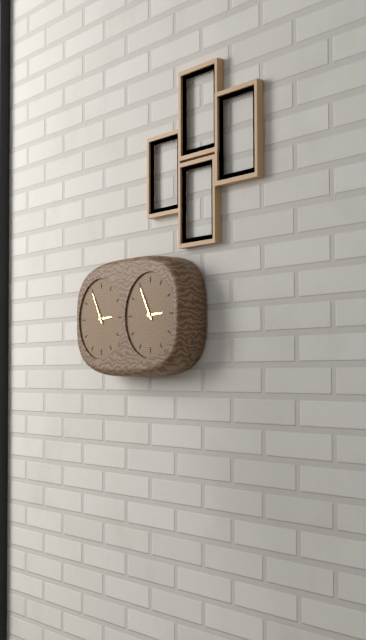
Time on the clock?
2:55
